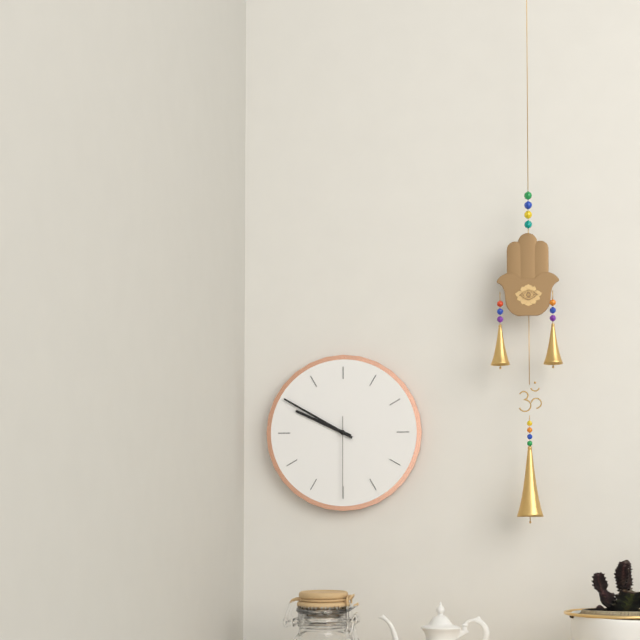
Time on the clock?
9:50:30
